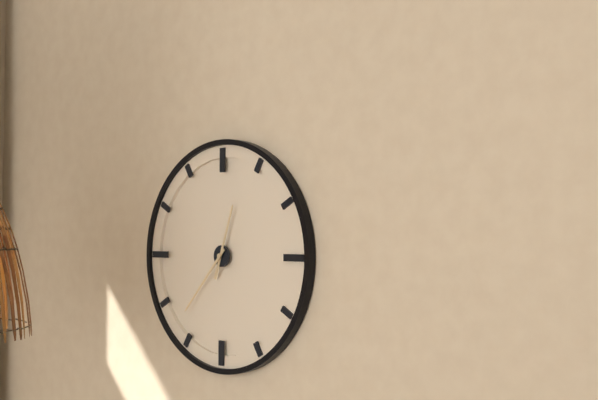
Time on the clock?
12:37
